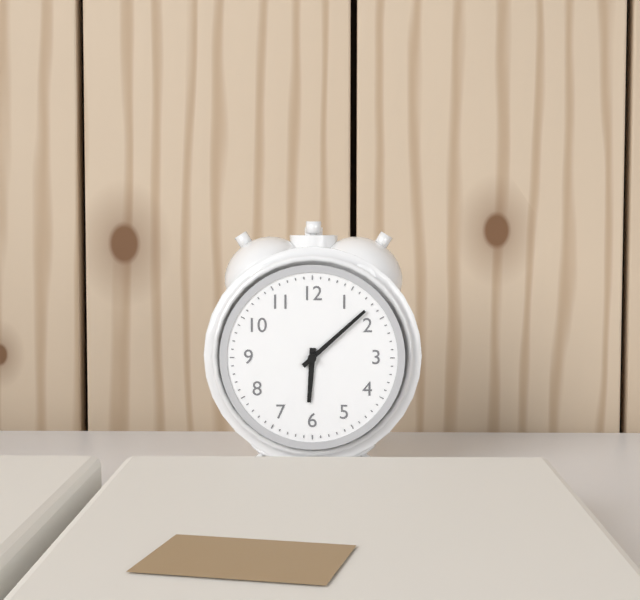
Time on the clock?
6:08
